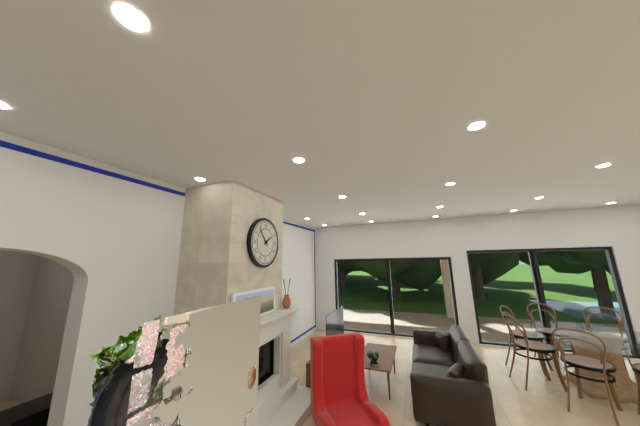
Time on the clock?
1:53
